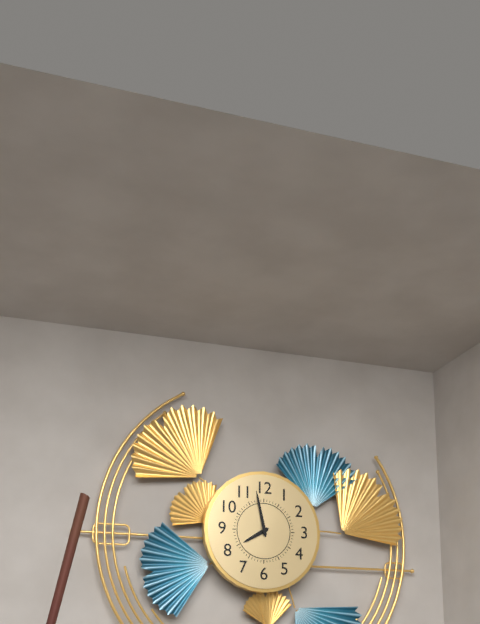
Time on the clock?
7:58
